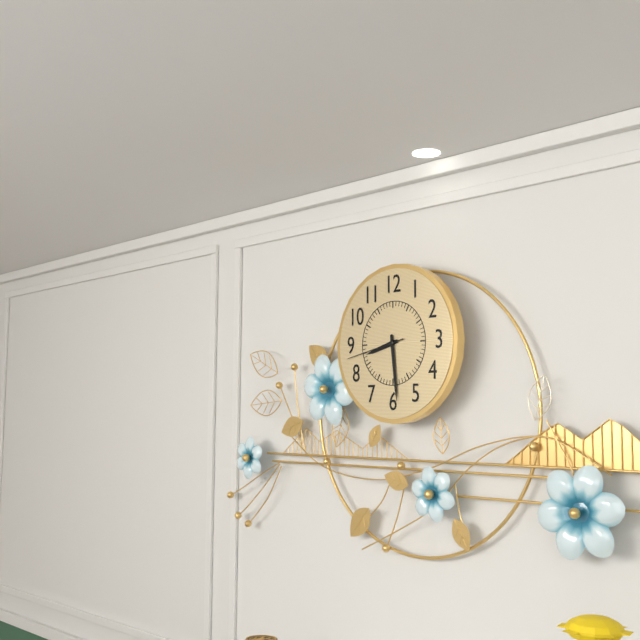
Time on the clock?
8:29:43
